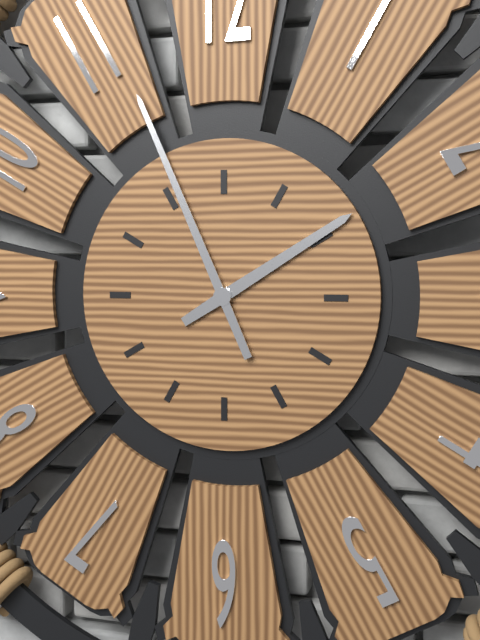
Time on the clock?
1:56
